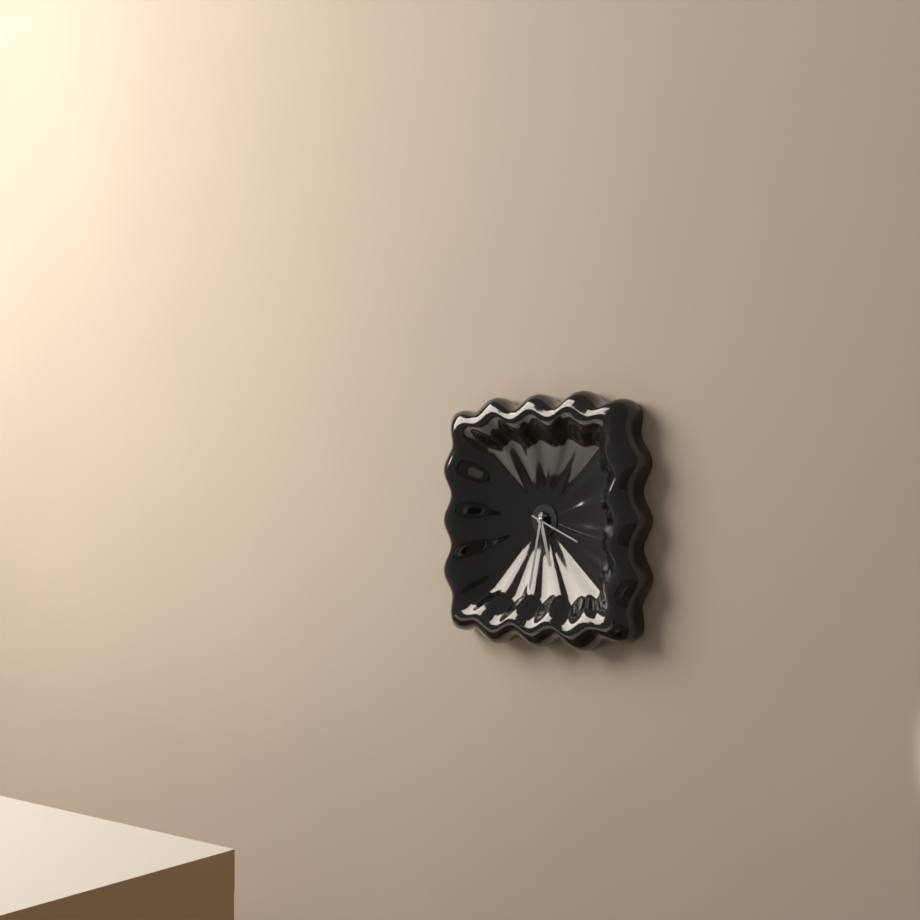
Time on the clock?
5:32:19
